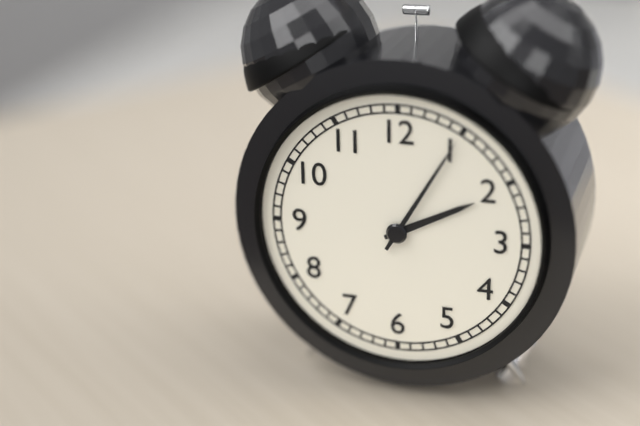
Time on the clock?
2:05
